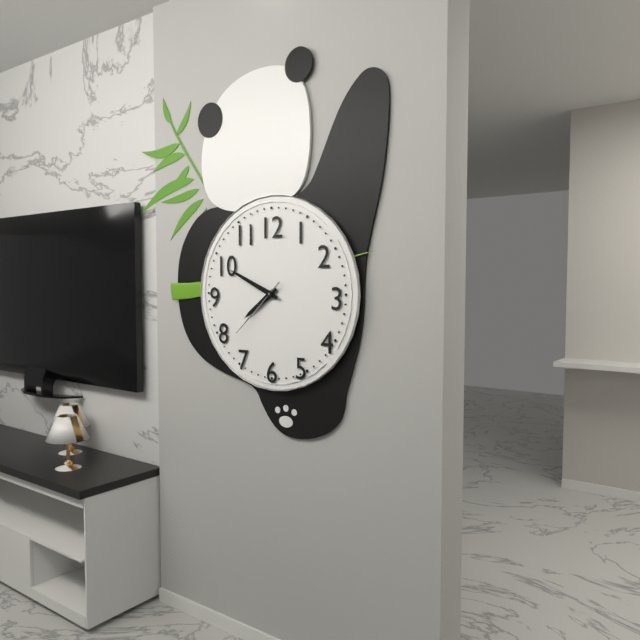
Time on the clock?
7:49:38
